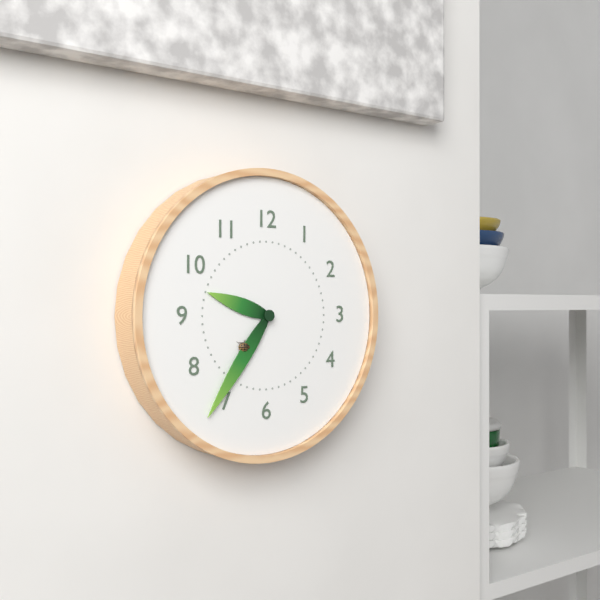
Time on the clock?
9:36
